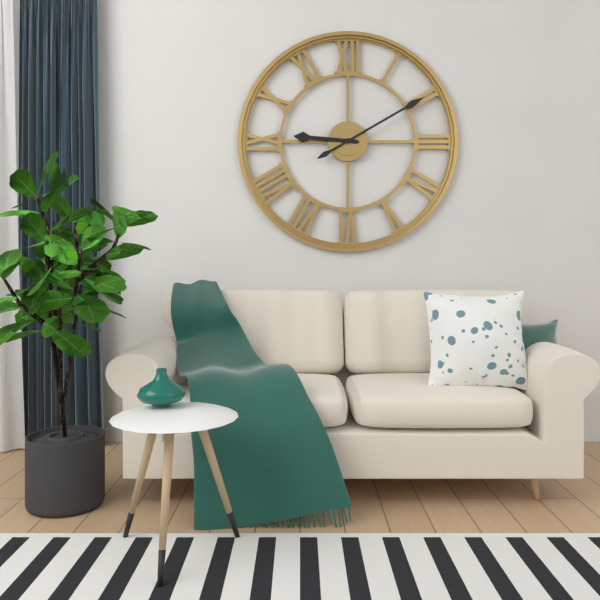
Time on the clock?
9:10
